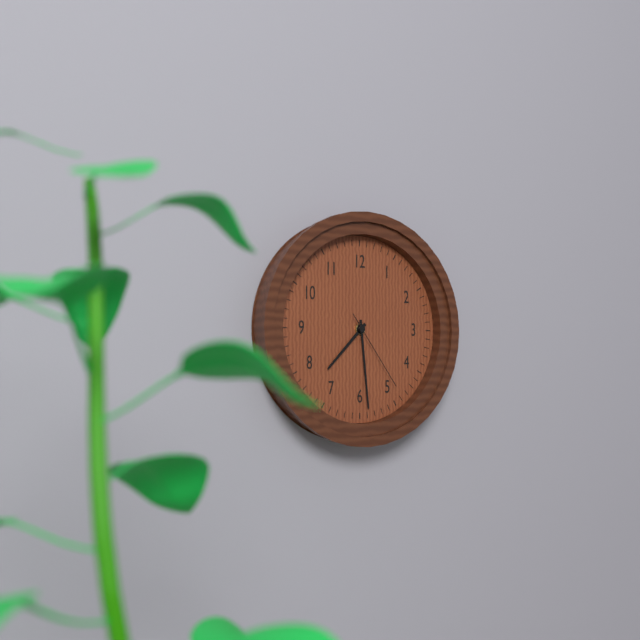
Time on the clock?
7:29:24
